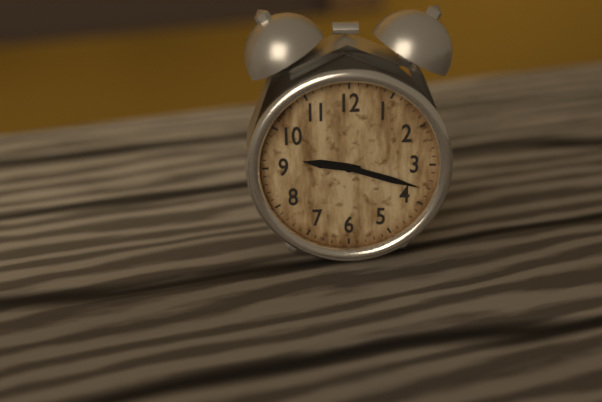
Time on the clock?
9:18
